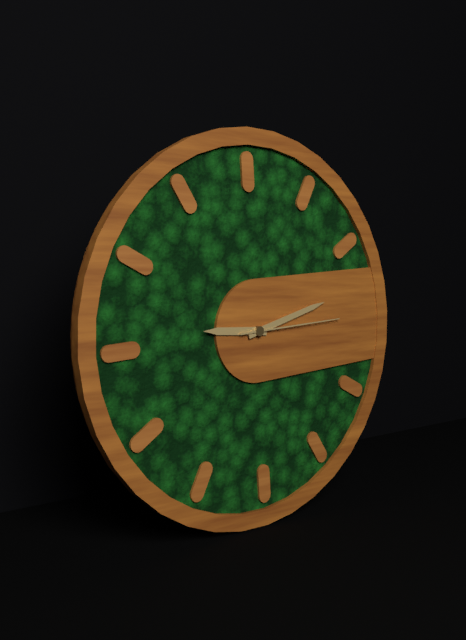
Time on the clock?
9:13:15
